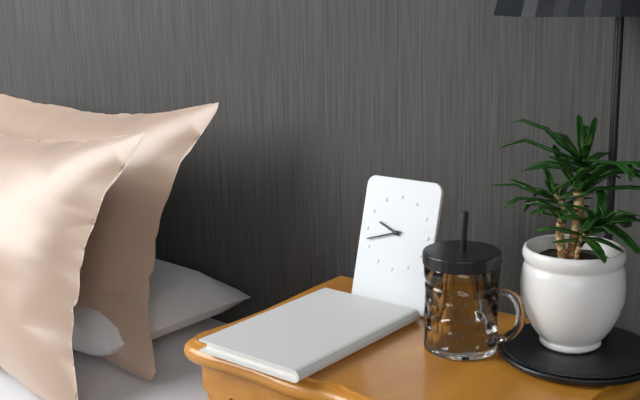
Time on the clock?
9:42
